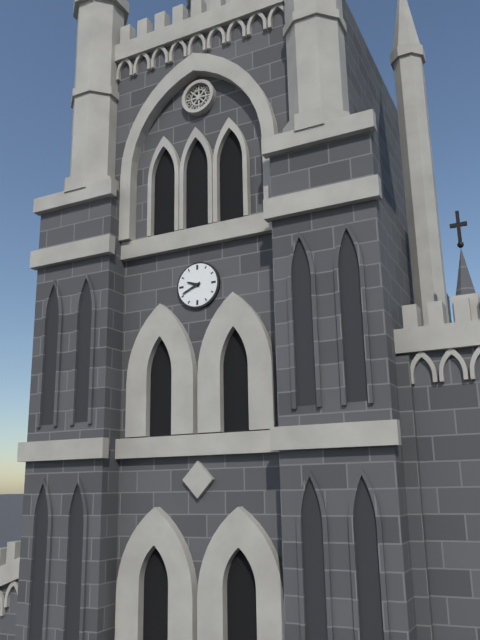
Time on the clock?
9:41
